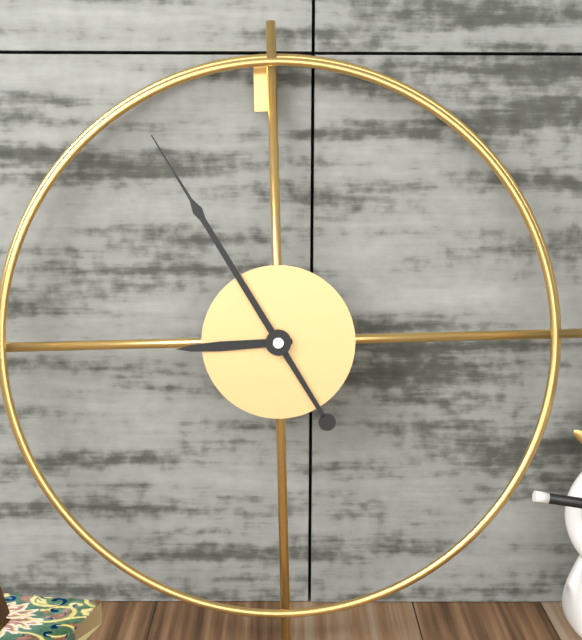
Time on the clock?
8:55
